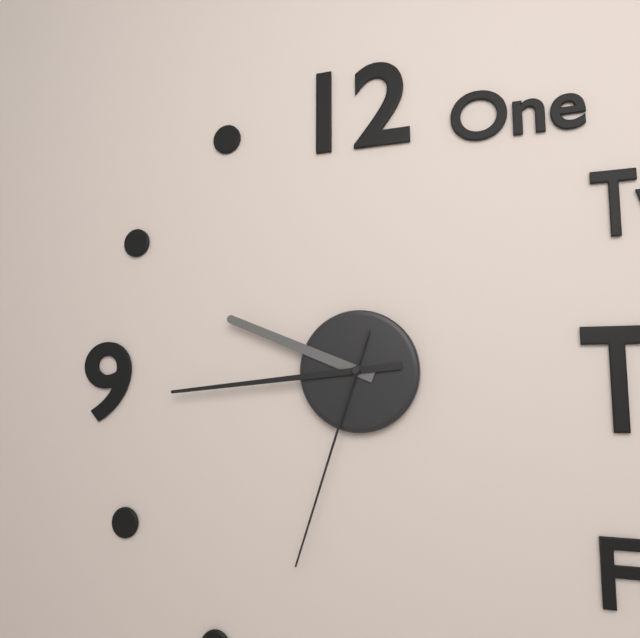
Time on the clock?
9:44:33
